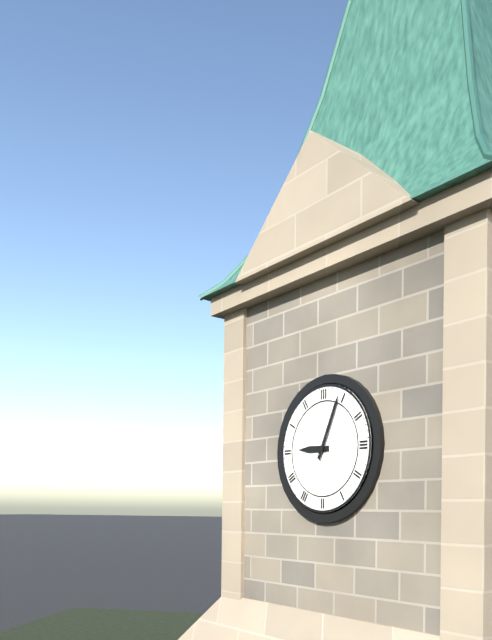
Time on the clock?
9:04
